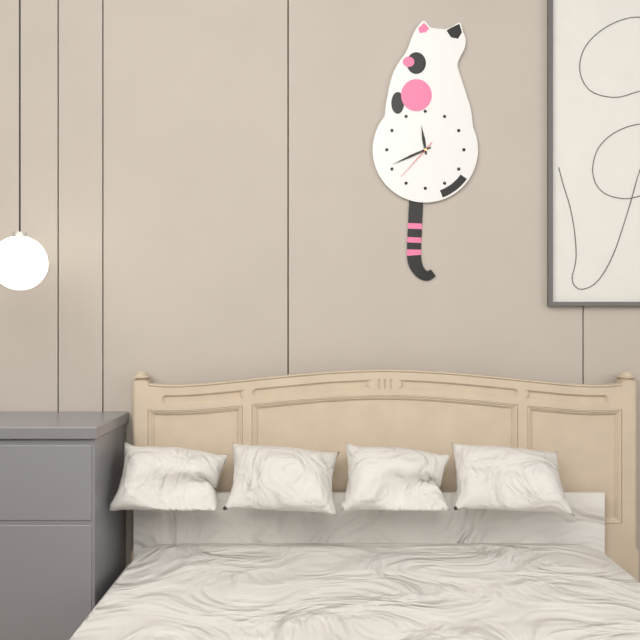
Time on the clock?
11:41
